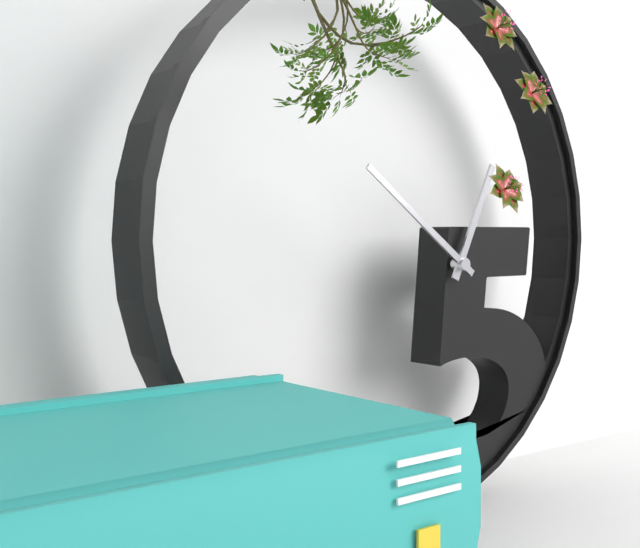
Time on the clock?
12:51
